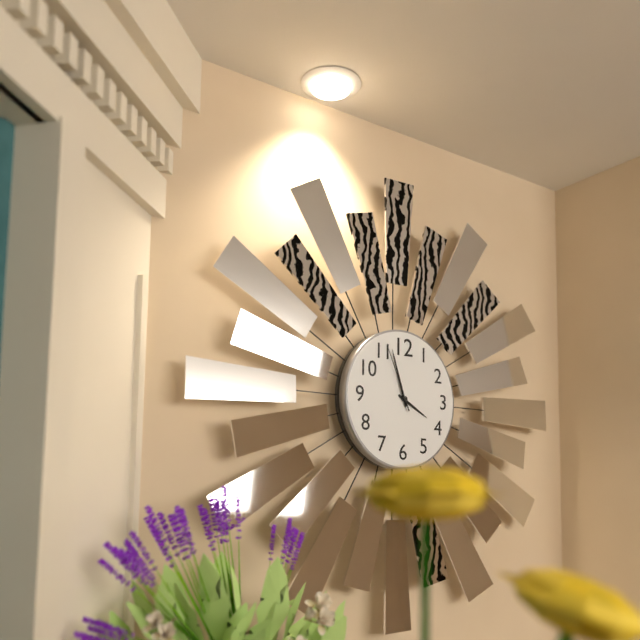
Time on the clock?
3:57:56
